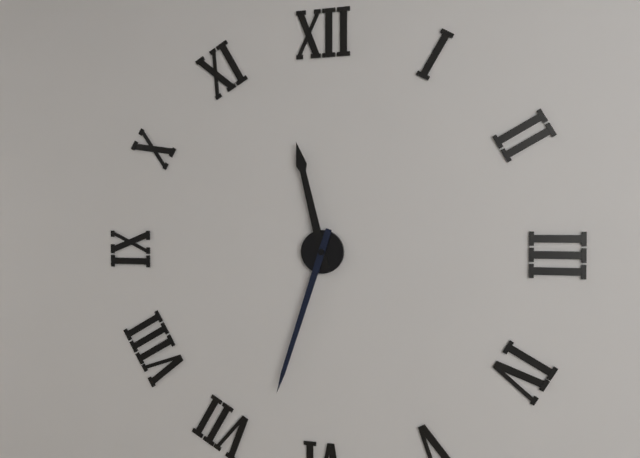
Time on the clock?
11:33
